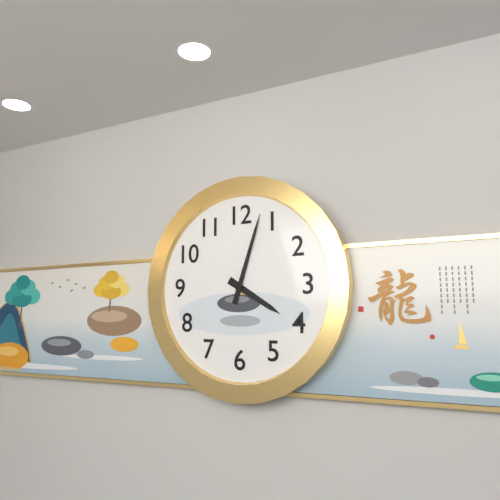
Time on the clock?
4:03
